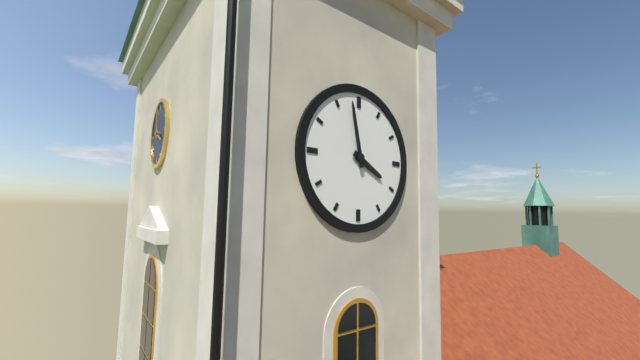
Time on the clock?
3:58
